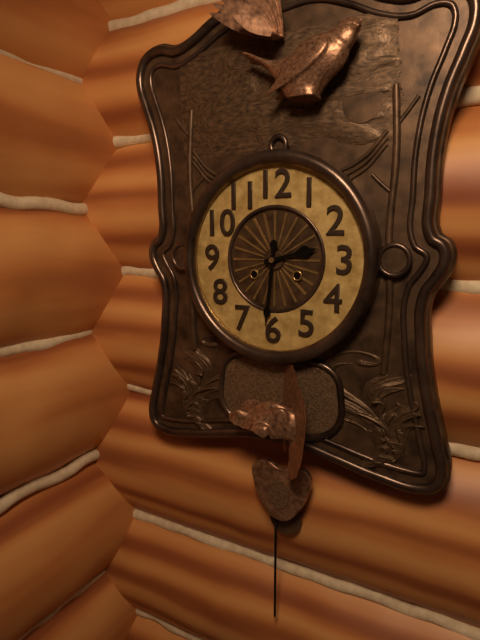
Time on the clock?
2:31
